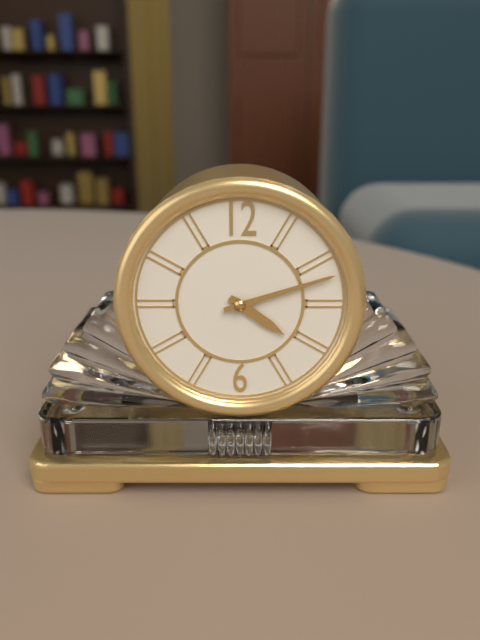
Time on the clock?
4:12
